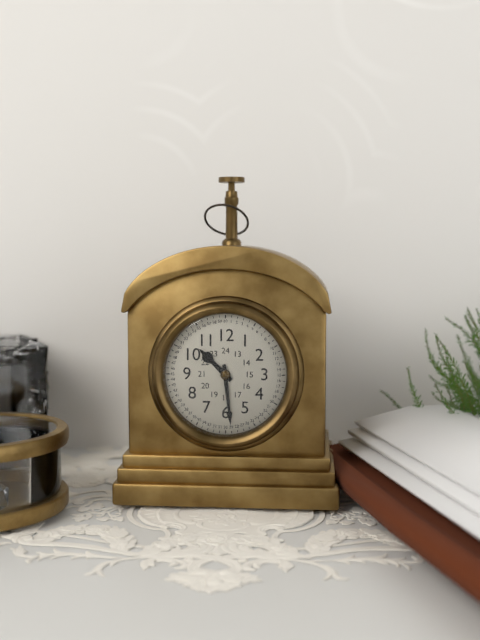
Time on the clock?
10:29
